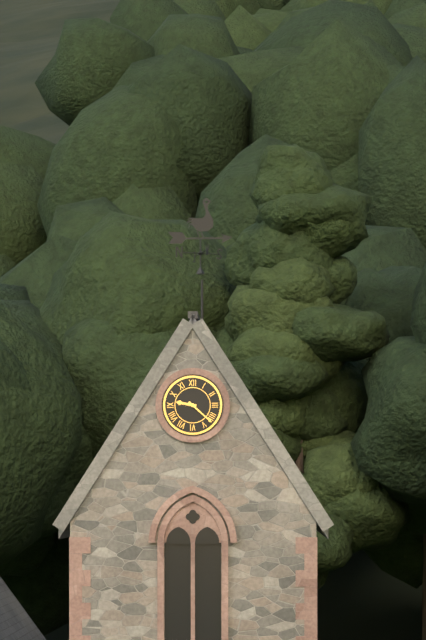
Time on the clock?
9:22
